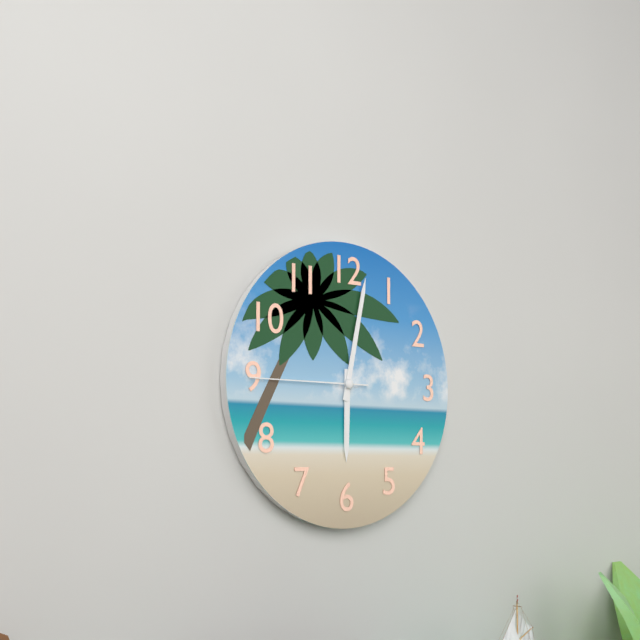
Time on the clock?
6:02:45
